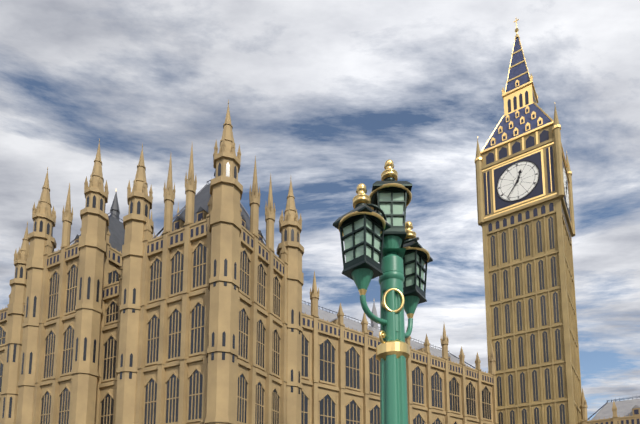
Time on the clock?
12:36
